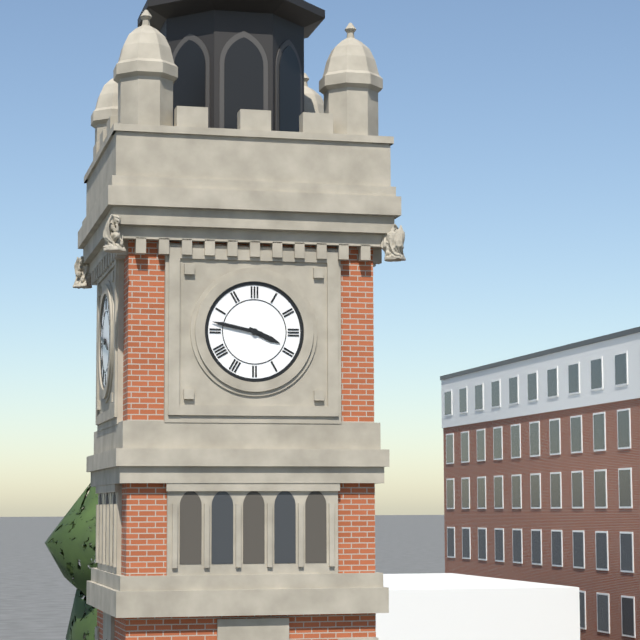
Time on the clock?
3:47
